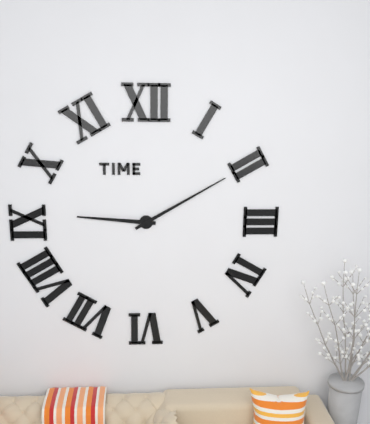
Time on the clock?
9:10
